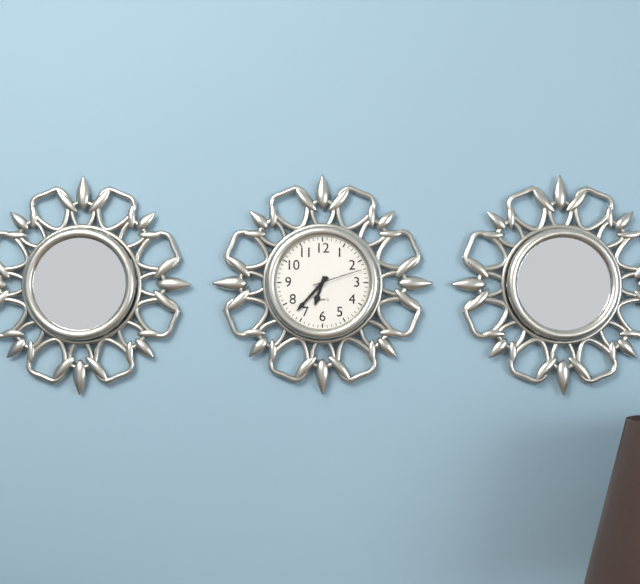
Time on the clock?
6:37:12
